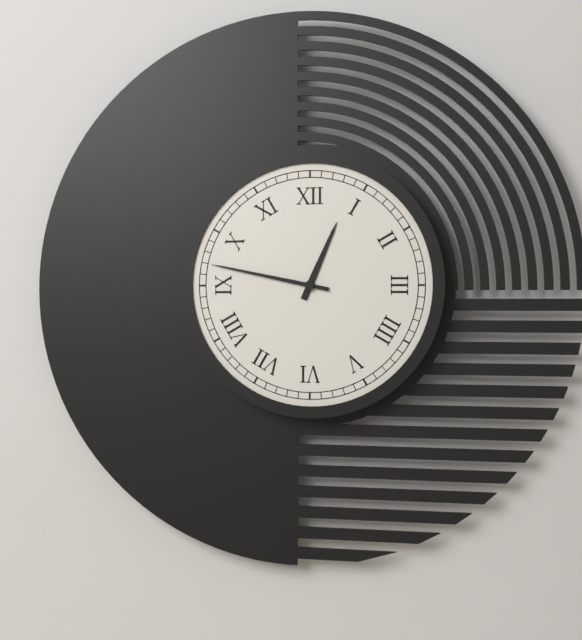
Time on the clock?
12:47
